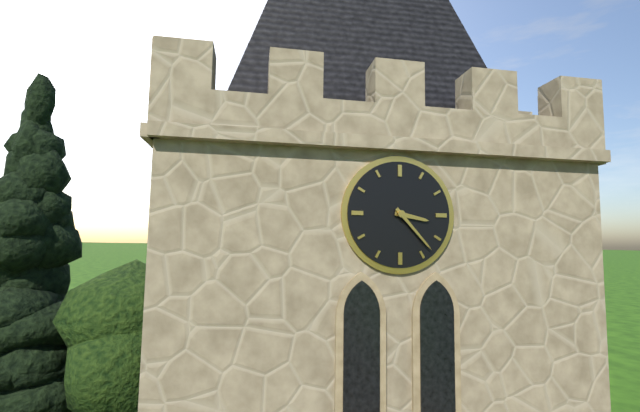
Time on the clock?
3:23
